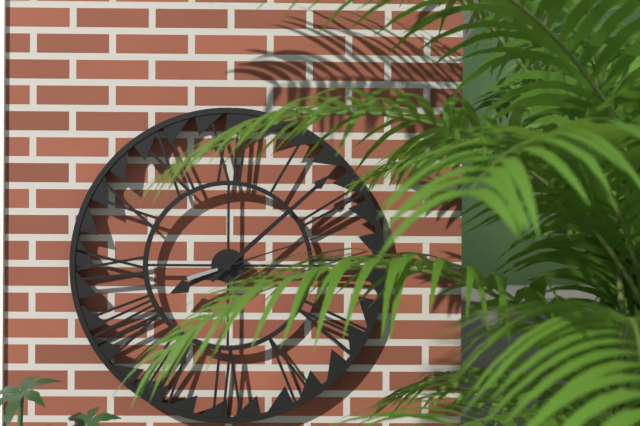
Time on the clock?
8:08:12
